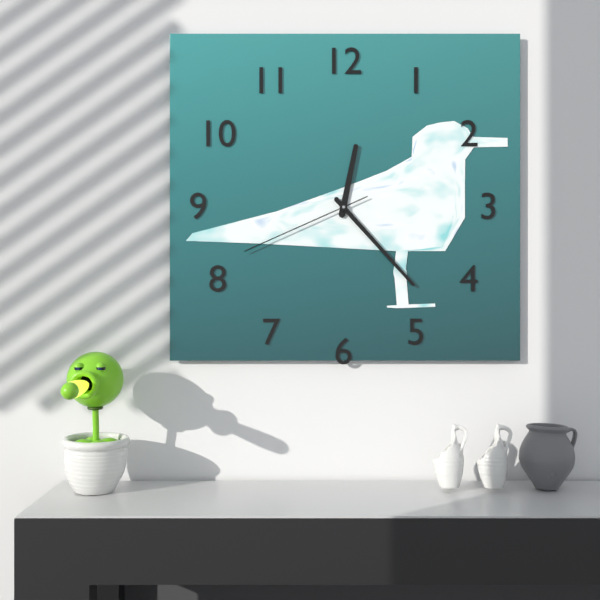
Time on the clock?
12:23:41
